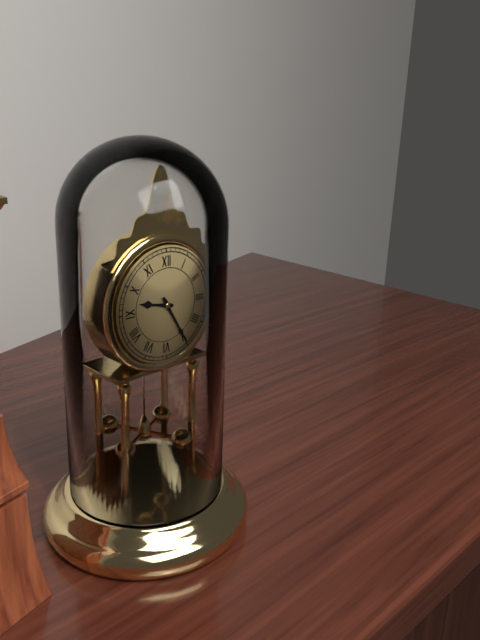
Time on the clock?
9:25
